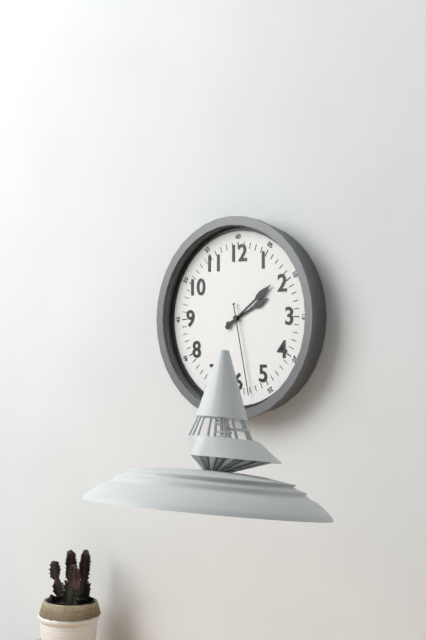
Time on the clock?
2:09:28
